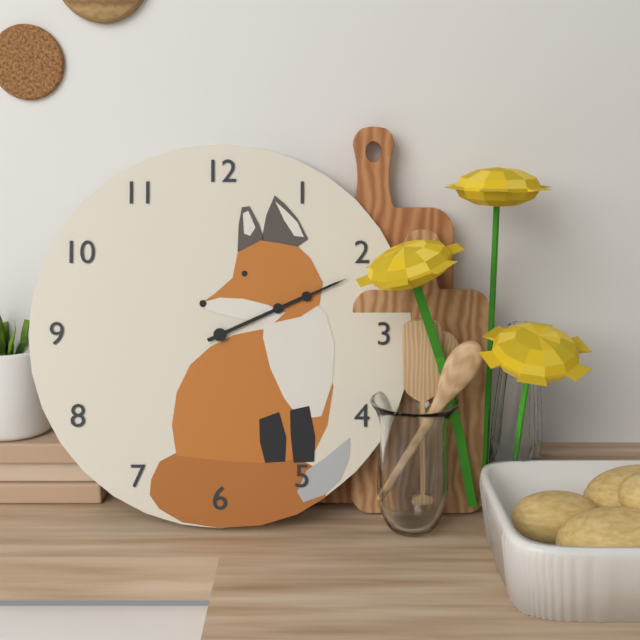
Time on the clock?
2:11
